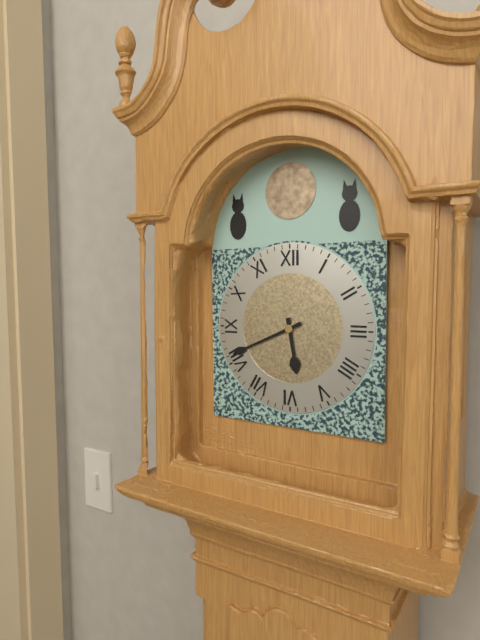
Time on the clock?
5:41
